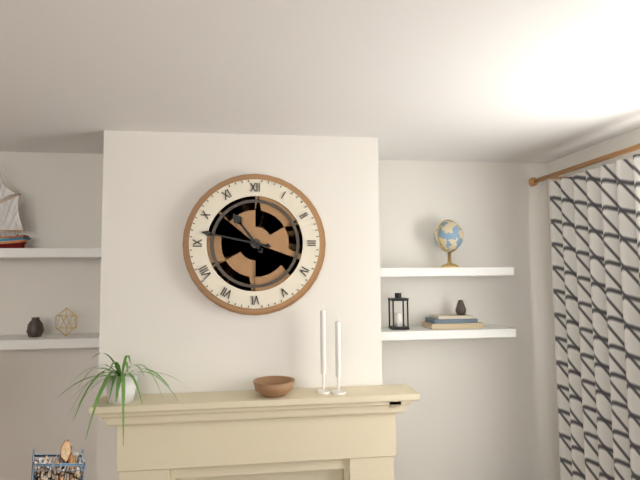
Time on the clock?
10:47
